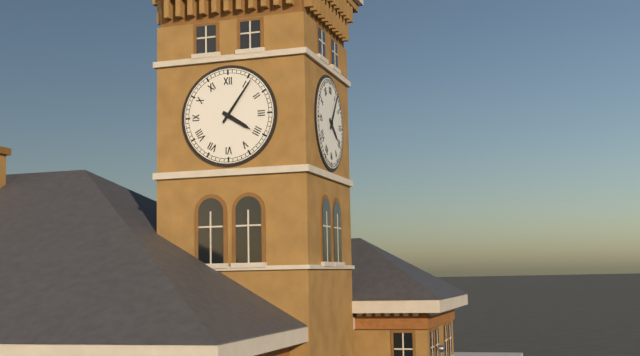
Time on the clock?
4:06
